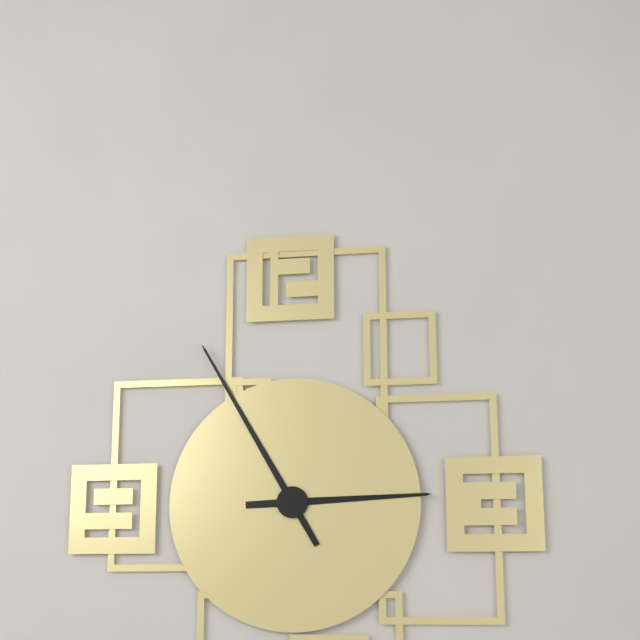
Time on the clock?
2:55
